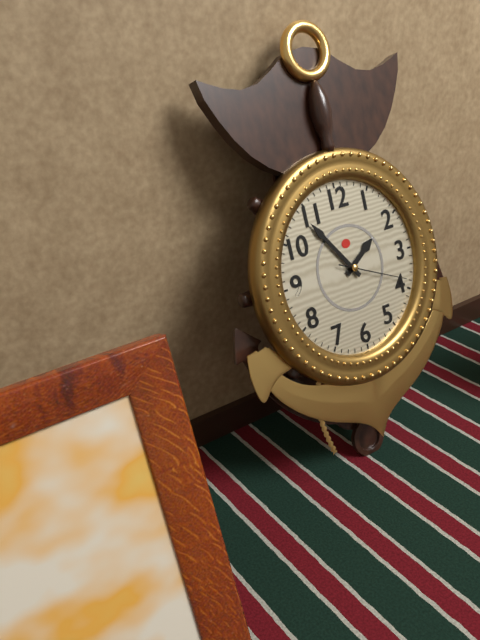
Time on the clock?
1:54:19
